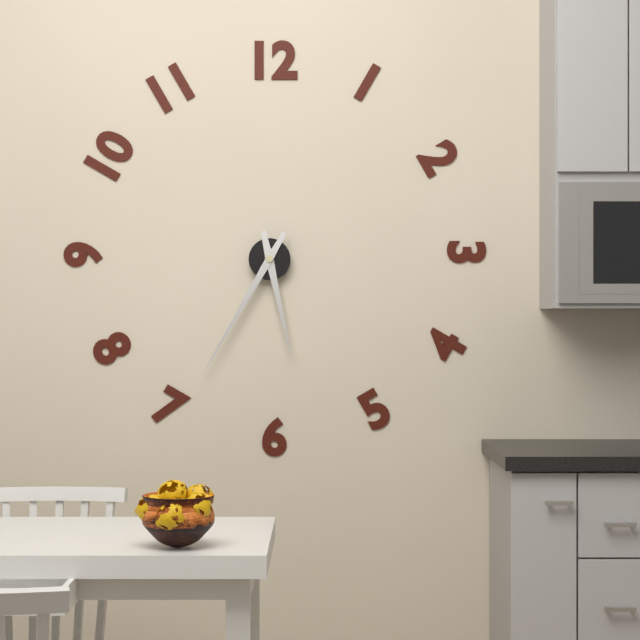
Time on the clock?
5:35
